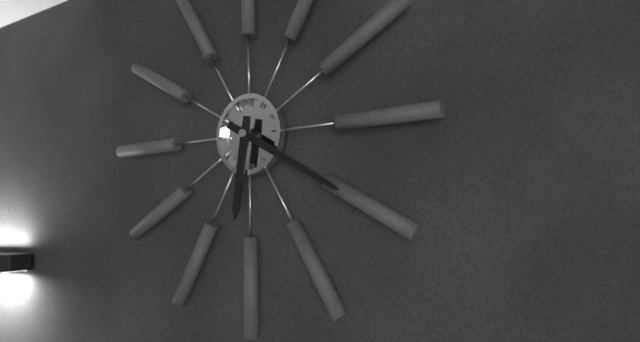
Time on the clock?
6:20
